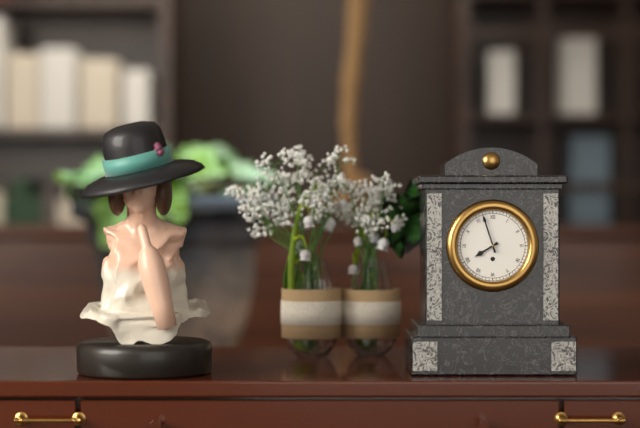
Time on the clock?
7:57
